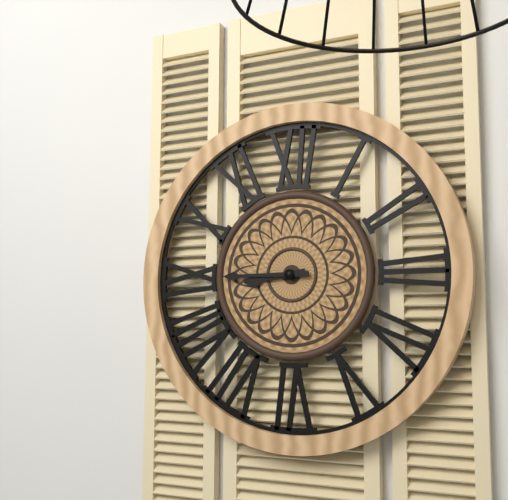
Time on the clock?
8:45
